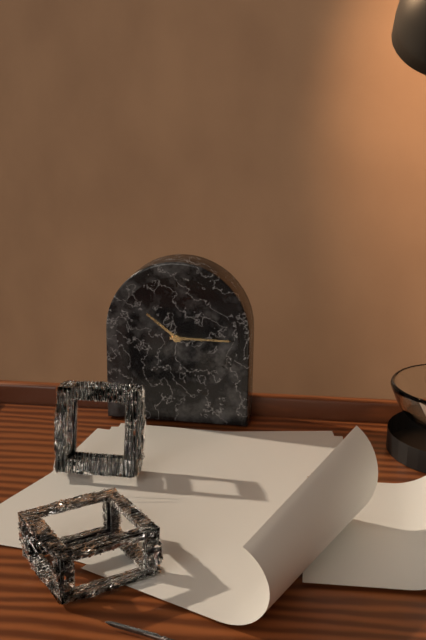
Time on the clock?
10:15
